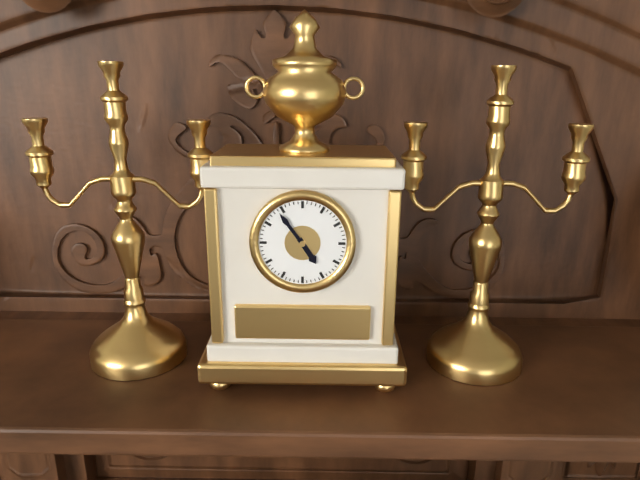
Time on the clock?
4:54
